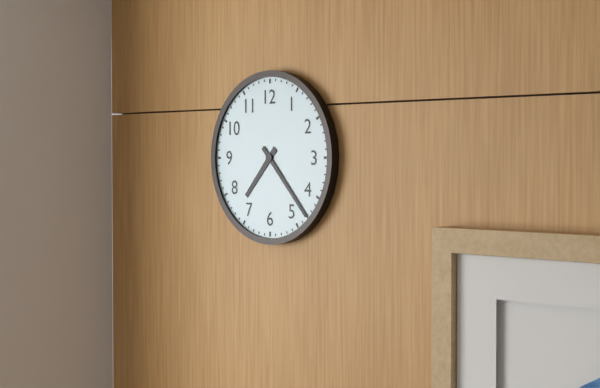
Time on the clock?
7:23
